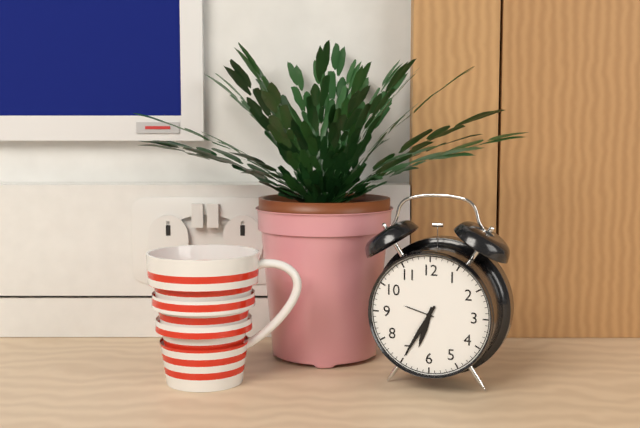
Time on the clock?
6:35
